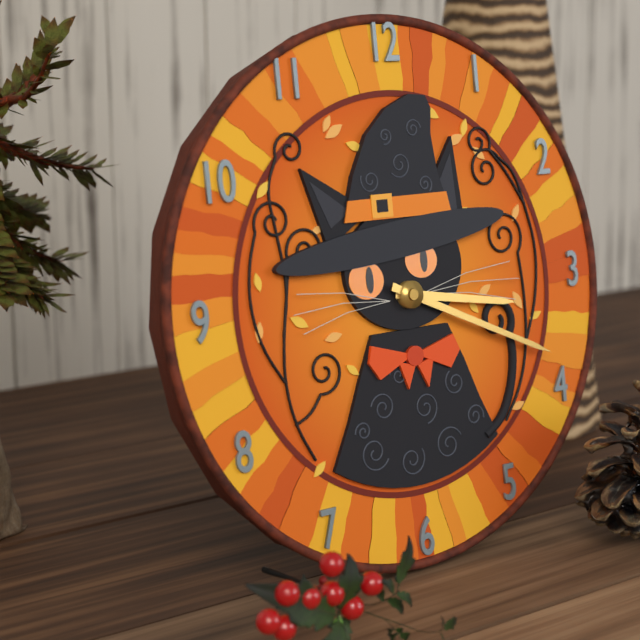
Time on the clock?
3:19
